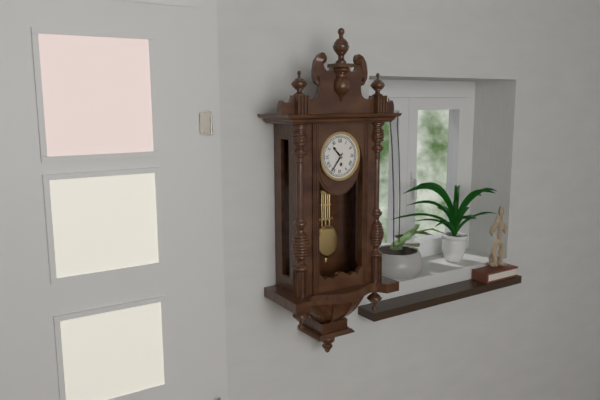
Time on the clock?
10:36
